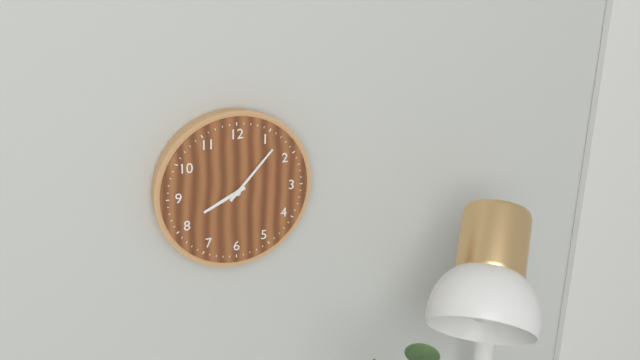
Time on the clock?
8:07
